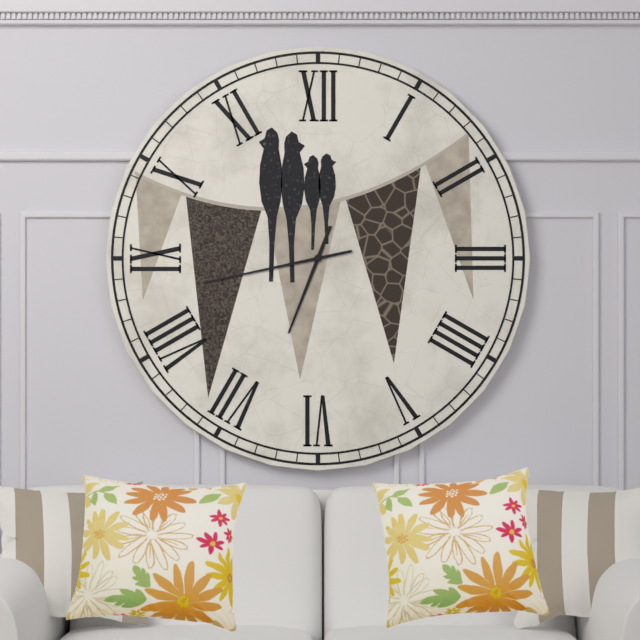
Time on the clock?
6:43
